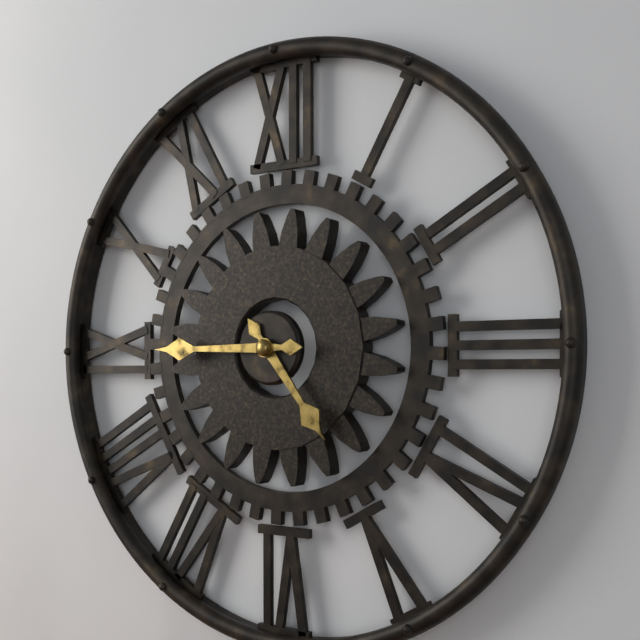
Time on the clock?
4:45
